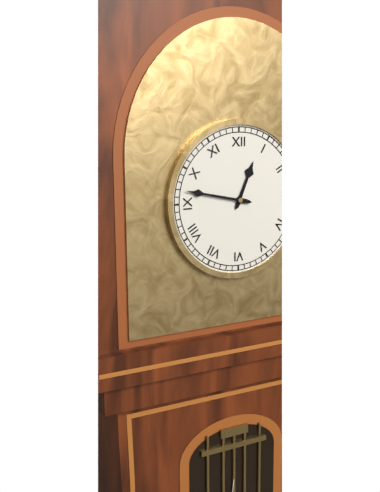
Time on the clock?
12:47
